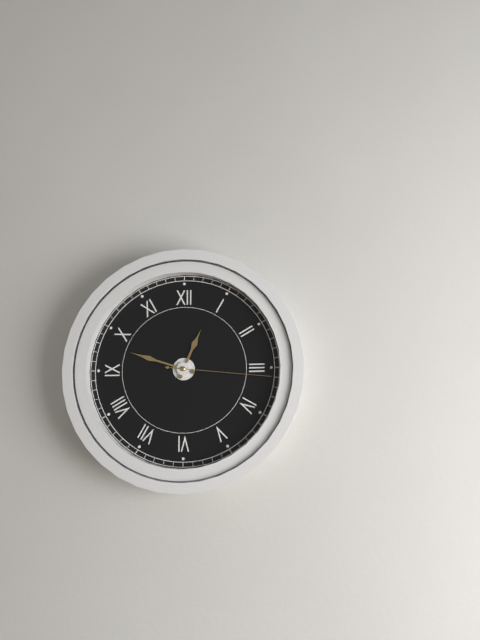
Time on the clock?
12:48:16
